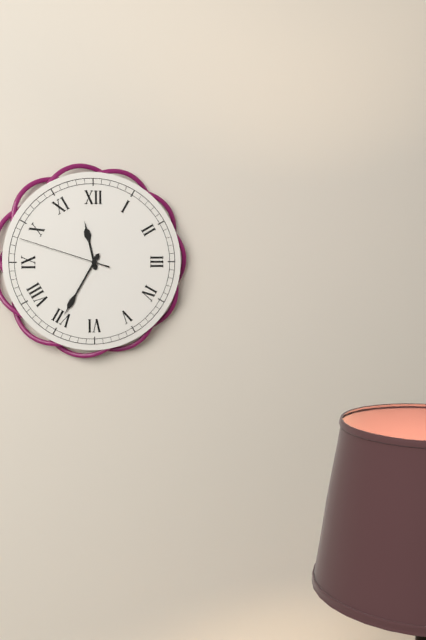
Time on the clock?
11:35:48
